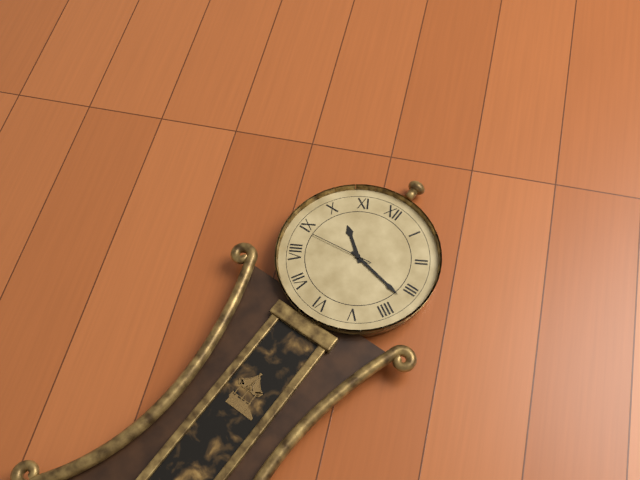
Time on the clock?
10:17:44
